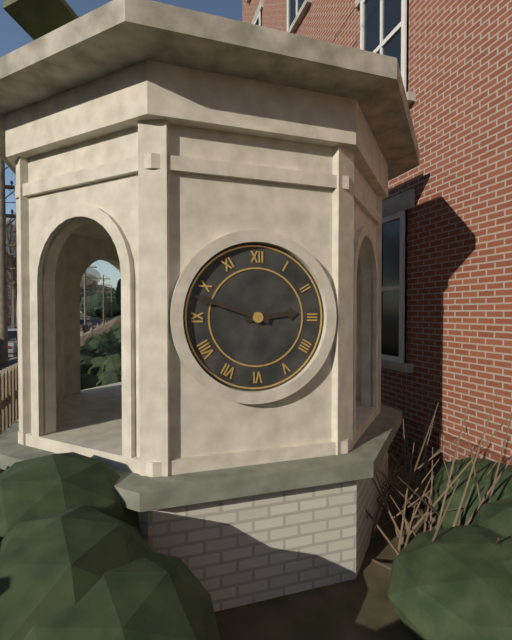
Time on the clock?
2:48
